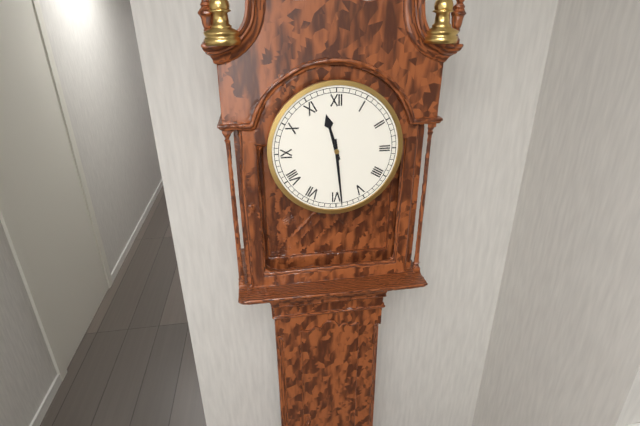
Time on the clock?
11:29
